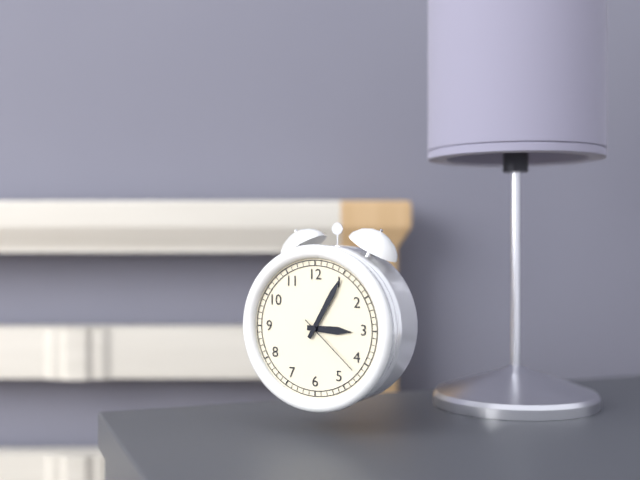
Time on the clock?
3:05:22
